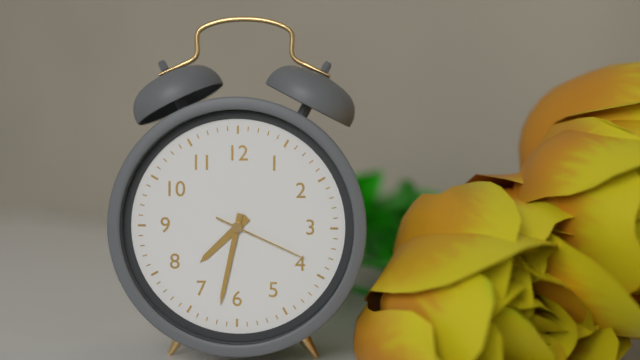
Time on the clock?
7:32:19
